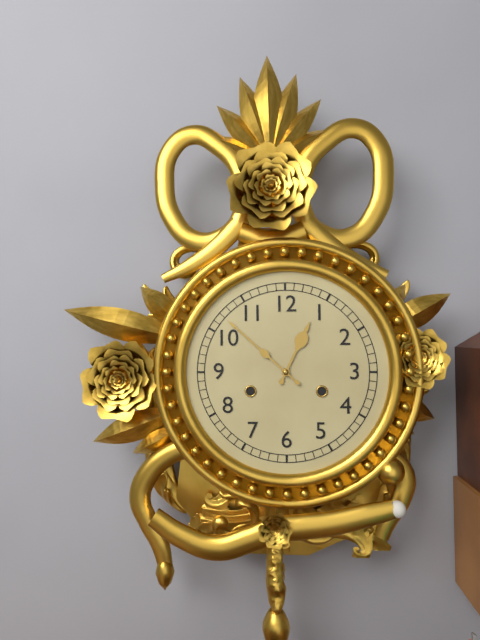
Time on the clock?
12:52
